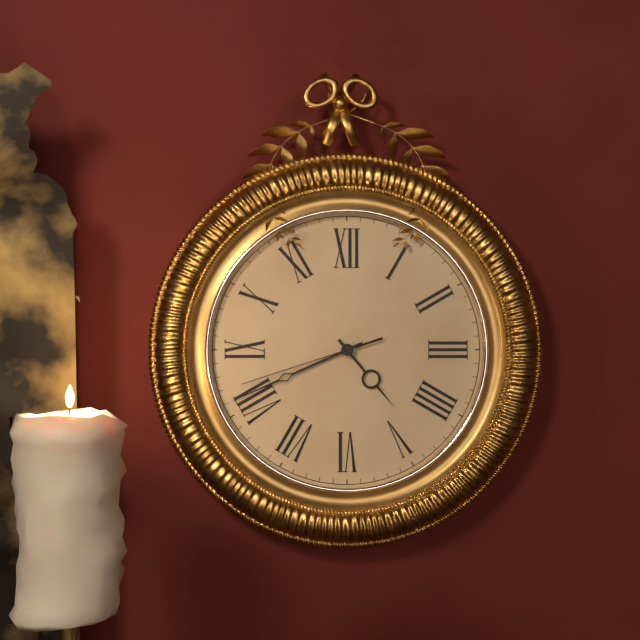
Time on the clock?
4:41:42
